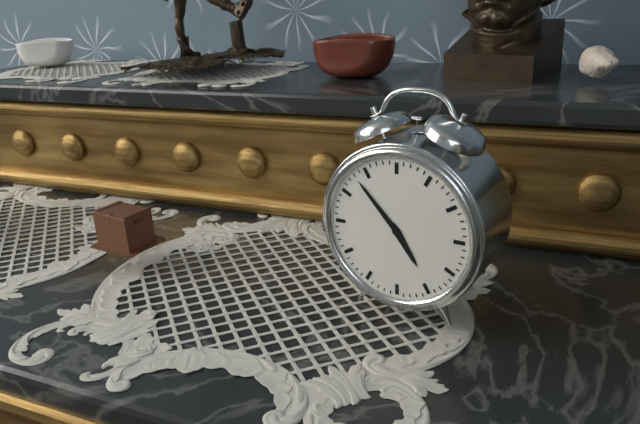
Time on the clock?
4:53
